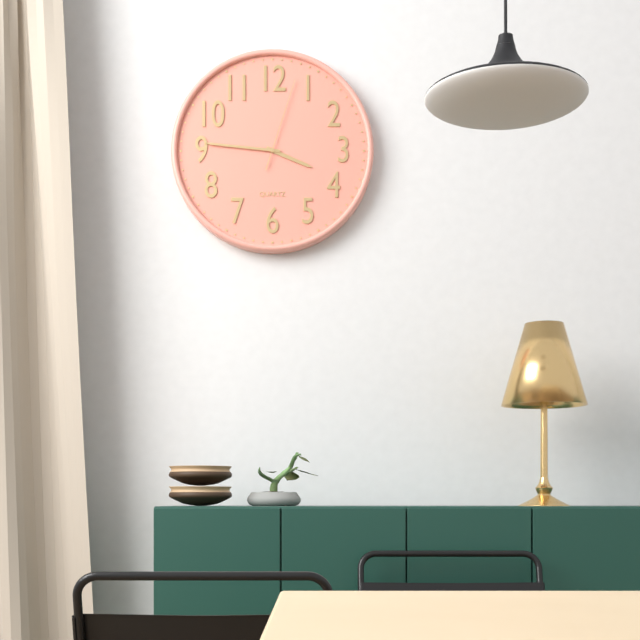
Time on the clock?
3:46:03
